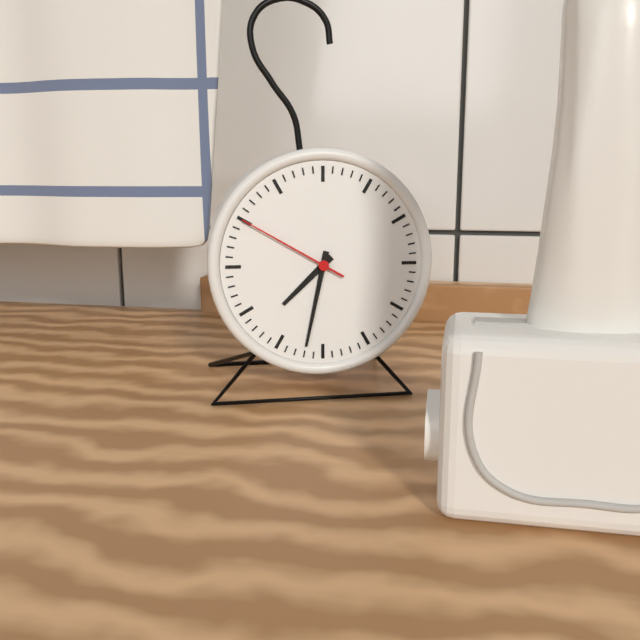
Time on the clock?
7:32:50
